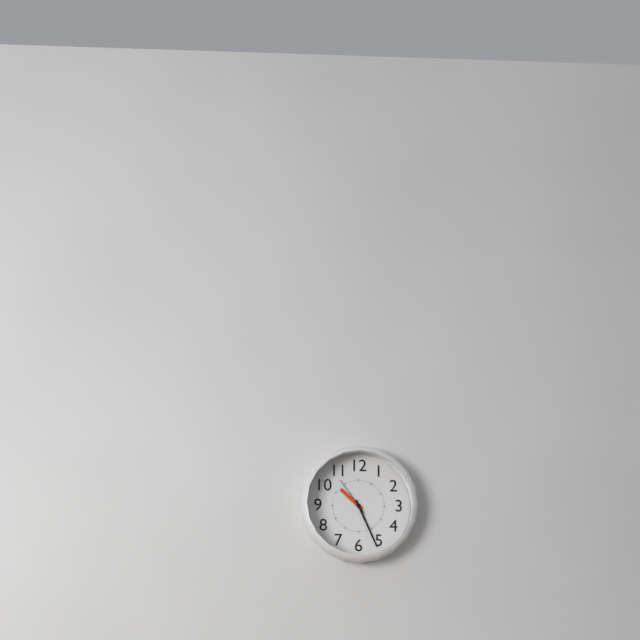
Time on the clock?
10:26
